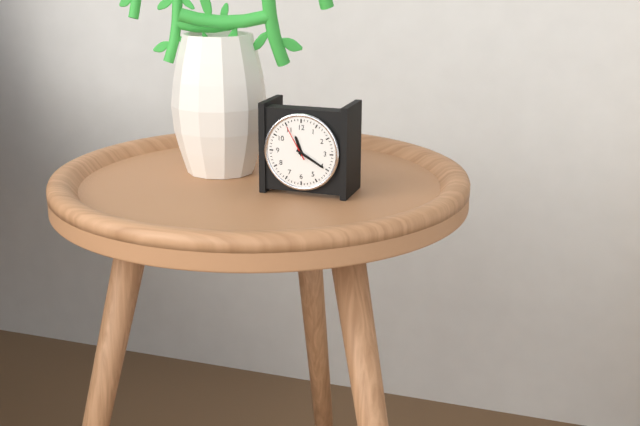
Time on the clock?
11:20
